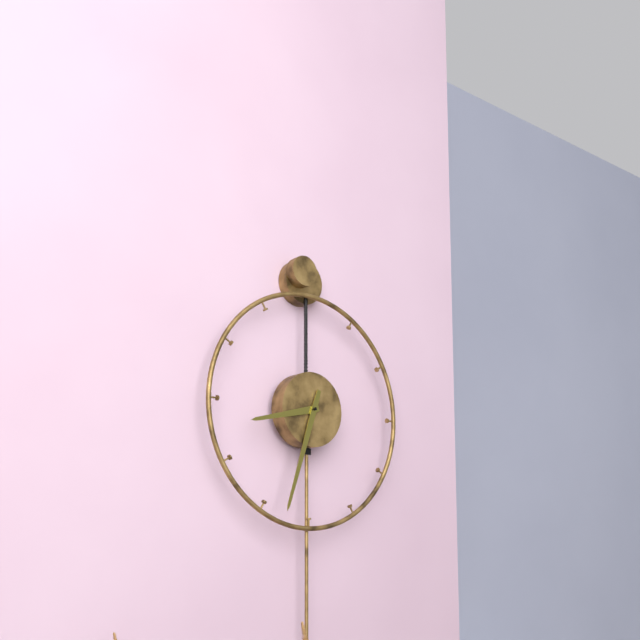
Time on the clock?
8:33
